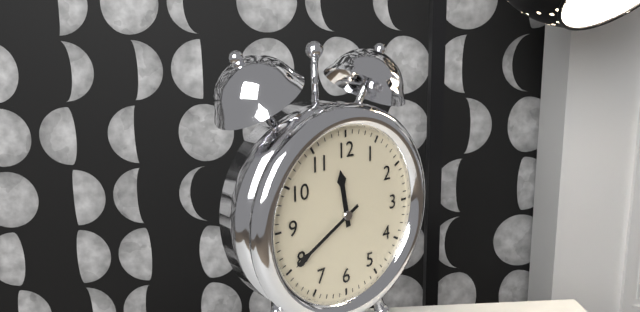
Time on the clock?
11:40
